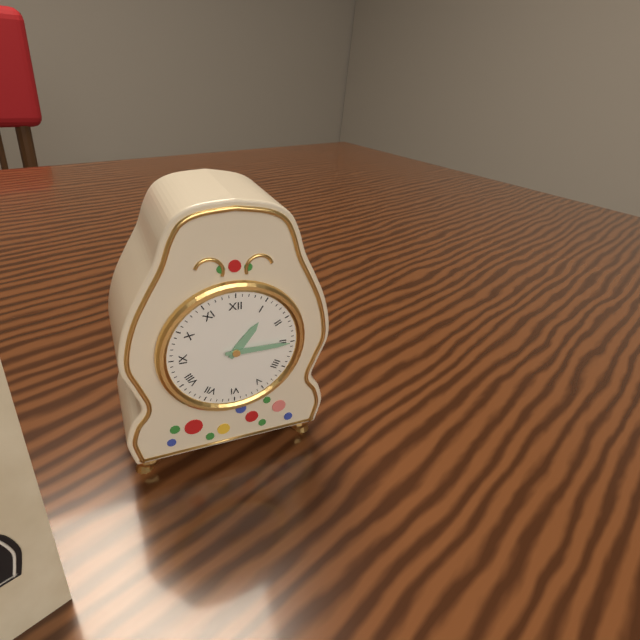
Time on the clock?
1:15
